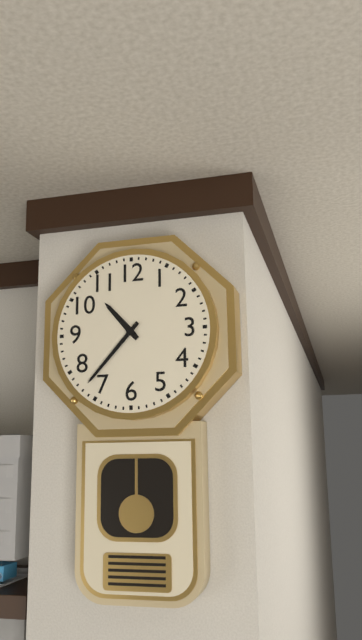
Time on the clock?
10:37
